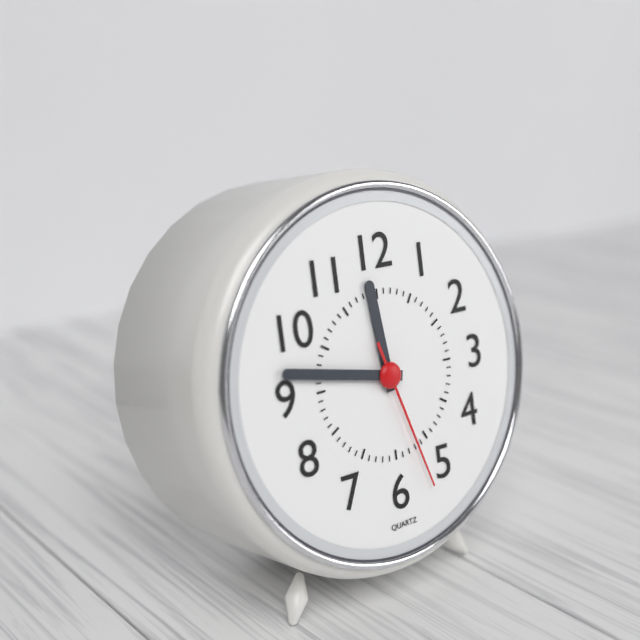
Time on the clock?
11:47:27
